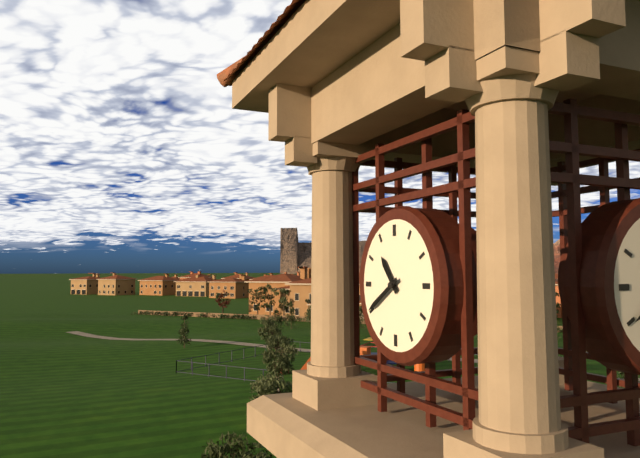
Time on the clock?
10:40
